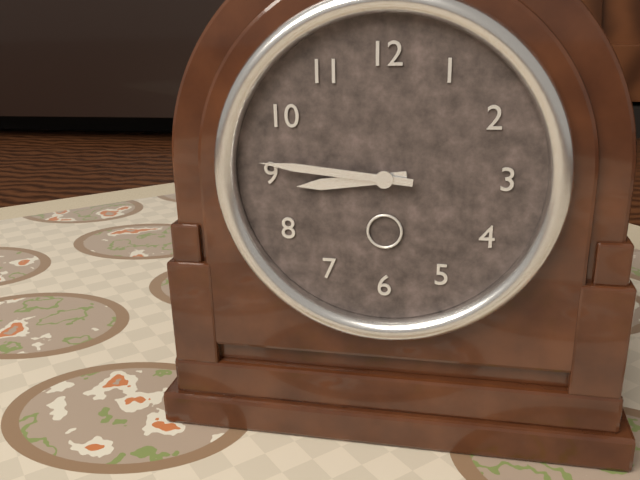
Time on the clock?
8:46
